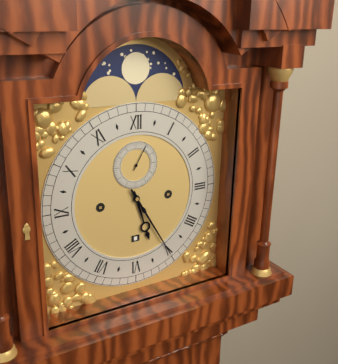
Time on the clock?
5:25
